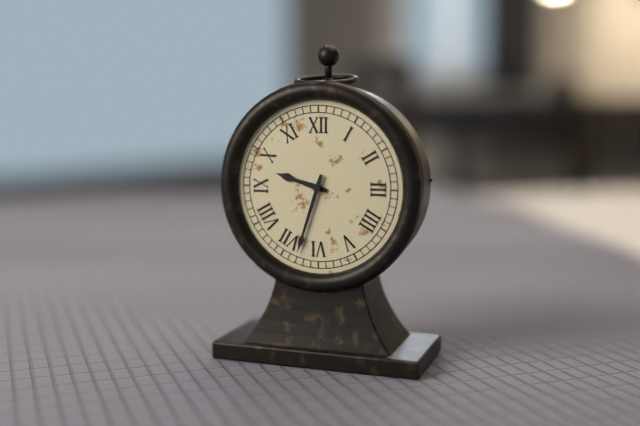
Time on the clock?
9:33
